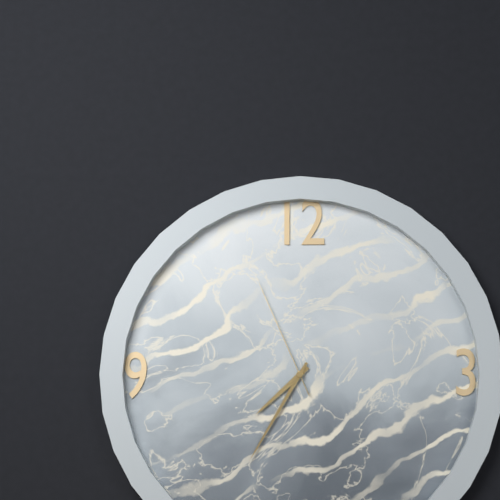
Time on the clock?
7:35:56
